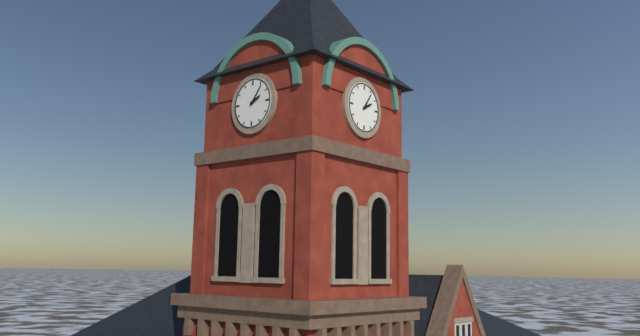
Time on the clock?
2:06
